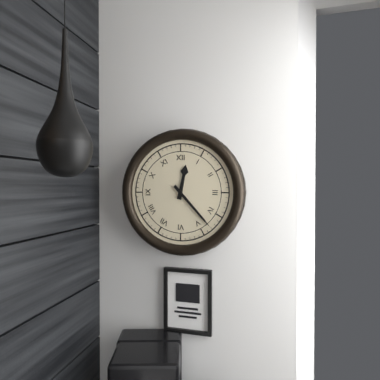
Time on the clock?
12:23
